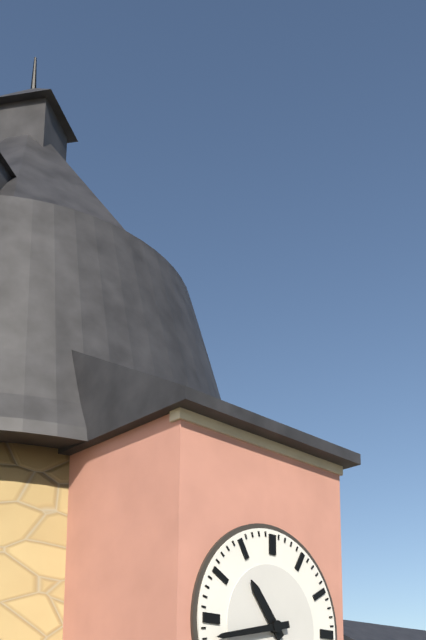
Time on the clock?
10:43
